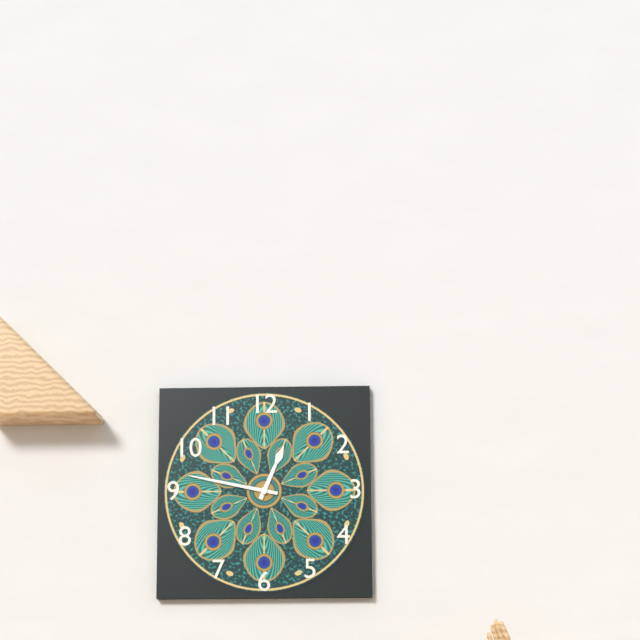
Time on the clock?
12:47
